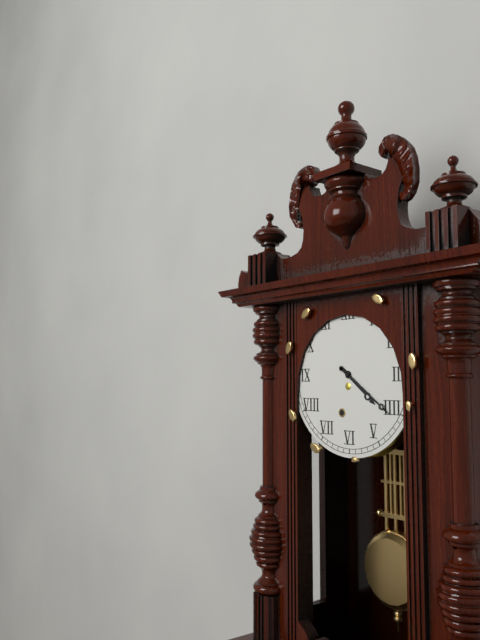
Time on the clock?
4:21
